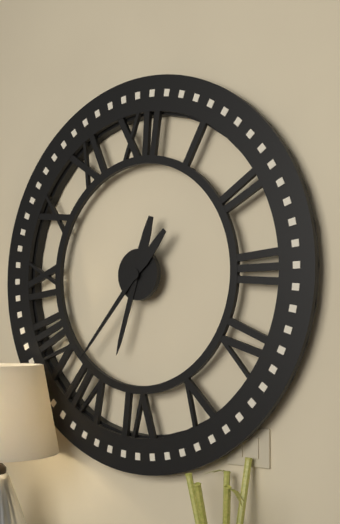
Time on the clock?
6:37
